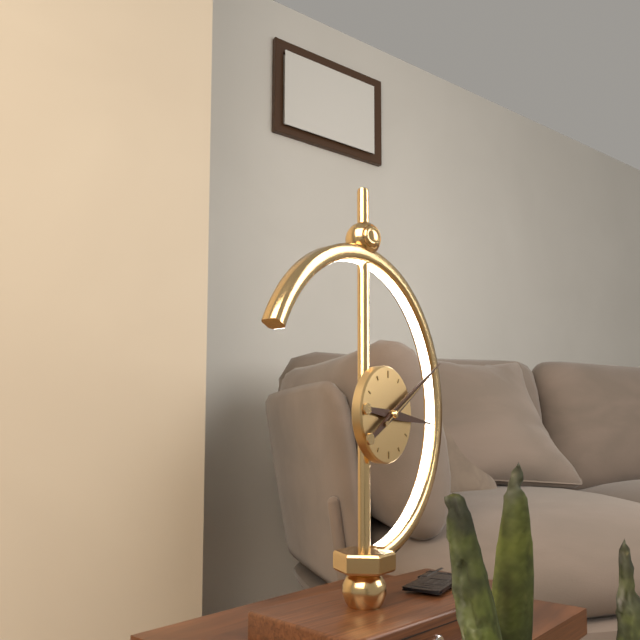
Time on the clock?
3:10:10
